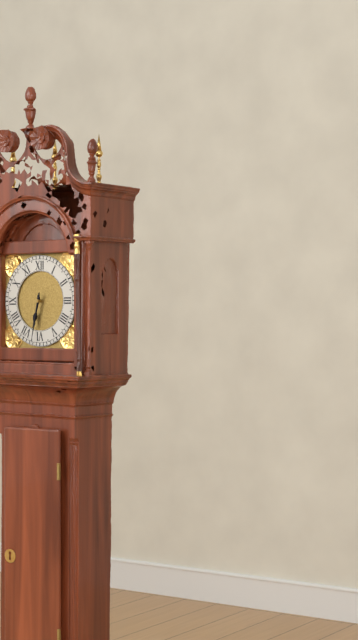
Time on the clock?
6:32
